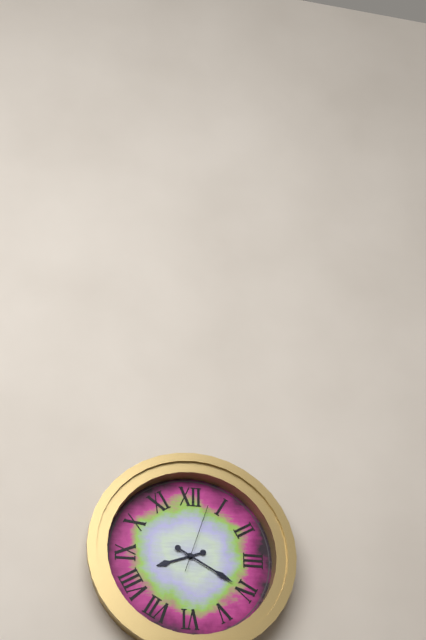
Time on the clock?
8:20:03
